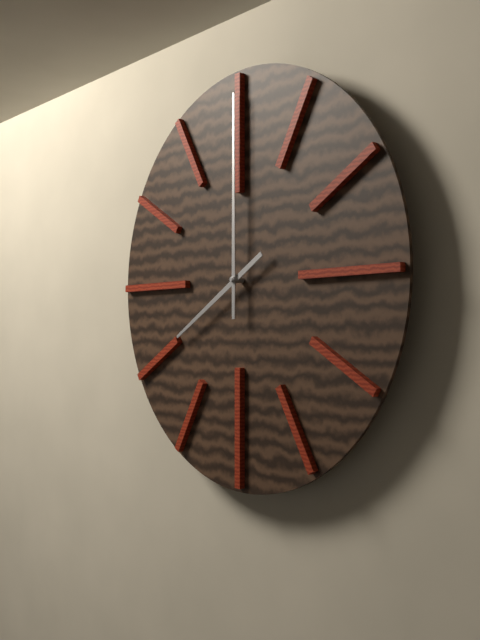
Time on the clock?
8:00
